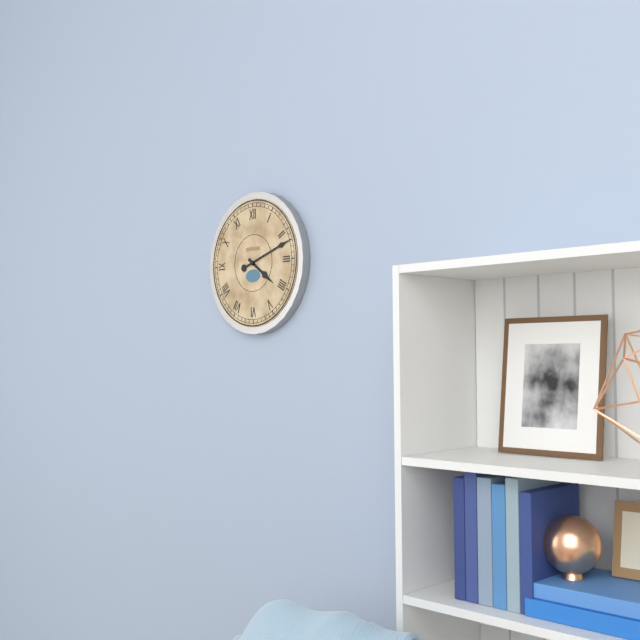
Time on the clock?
4:12
